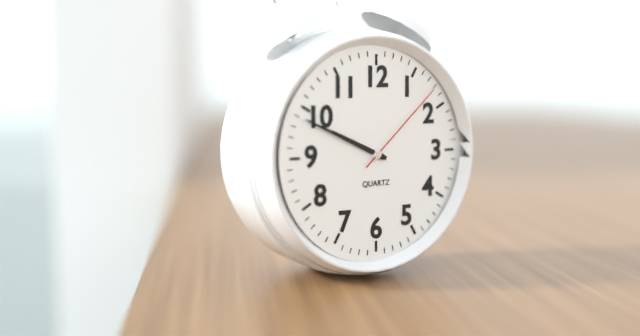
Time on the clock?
9:49:08
